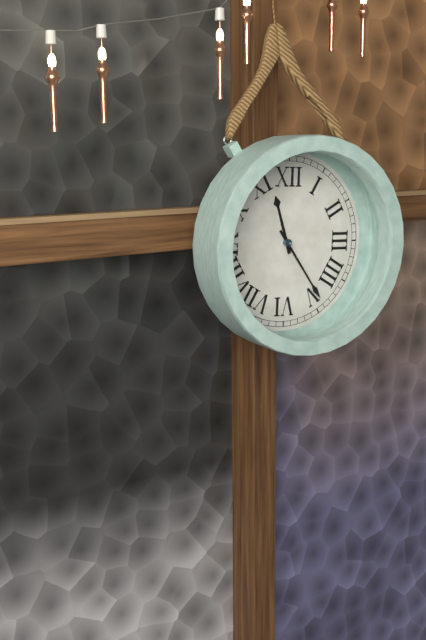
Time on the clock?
11:24
